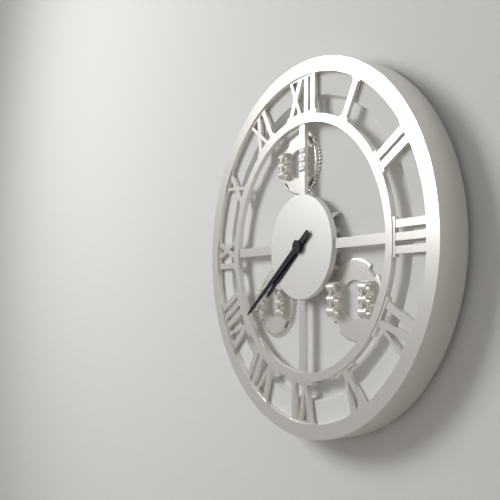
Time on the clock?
7:39
